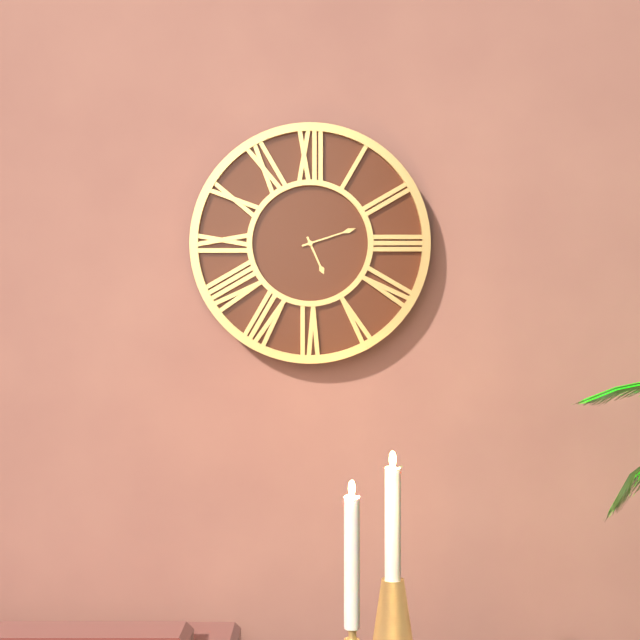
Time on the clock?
5:12
